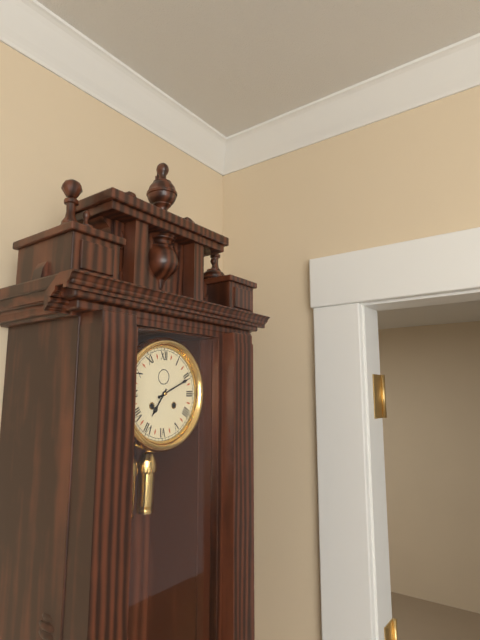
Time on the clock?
7:11
